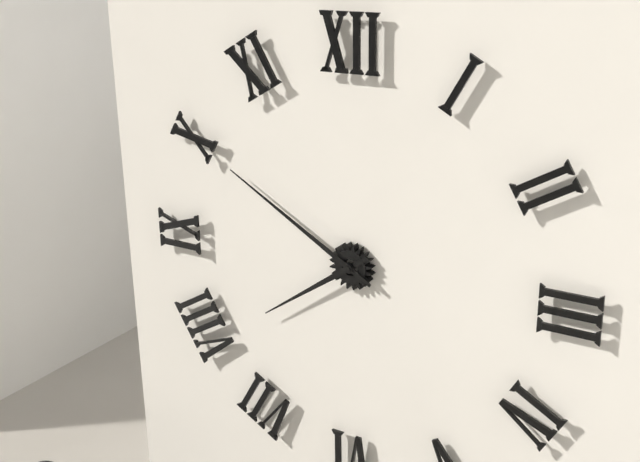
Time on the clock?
7:50
